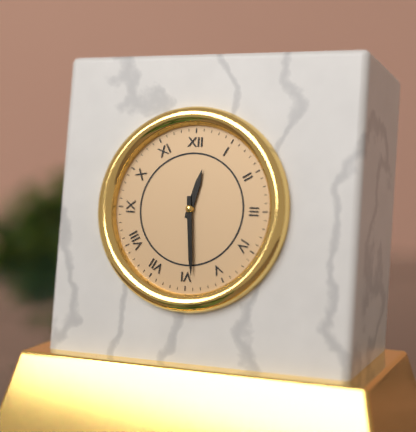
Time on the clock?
12:29
